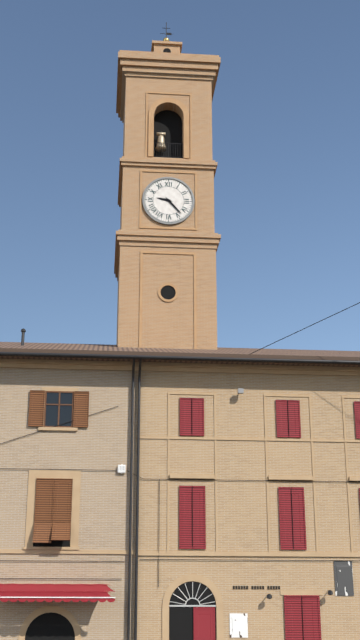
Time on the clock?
9:23
